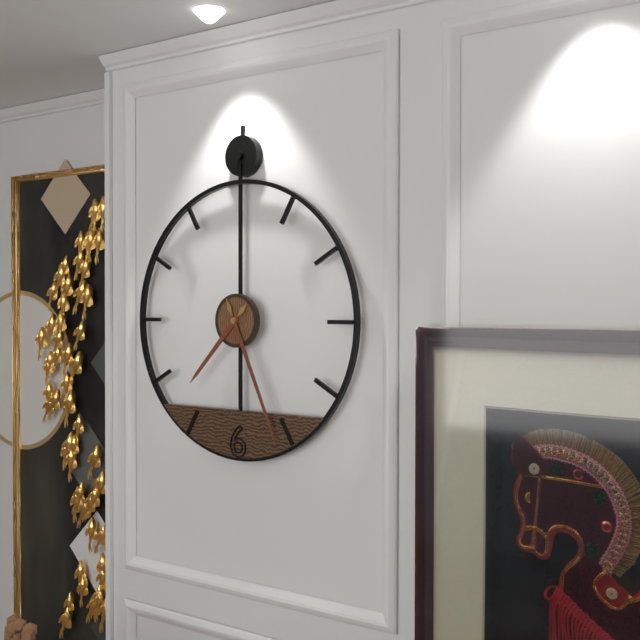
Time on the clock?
7:26
